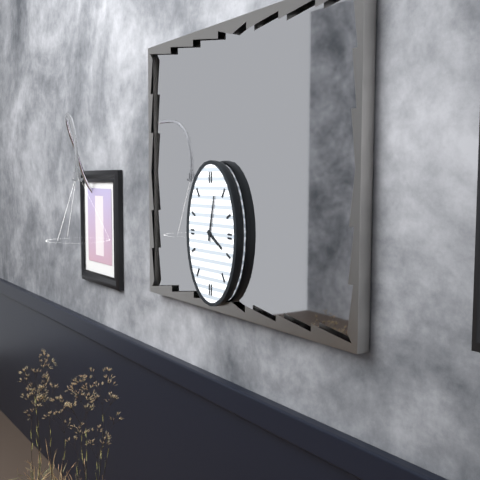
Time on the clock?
4:02
